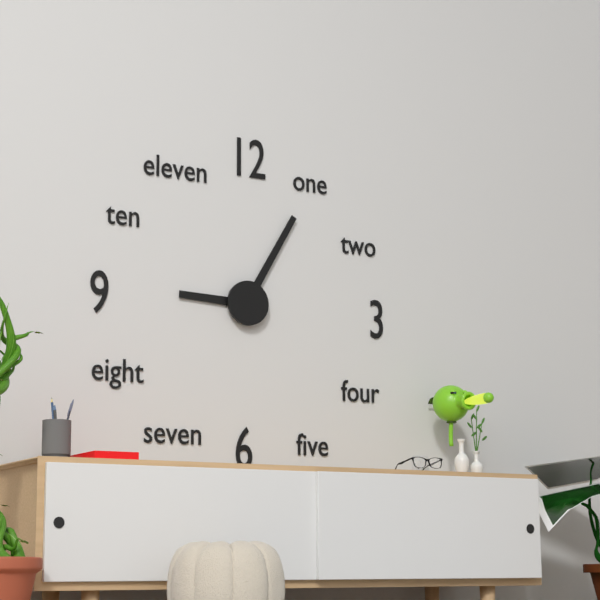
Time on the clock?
9:05
